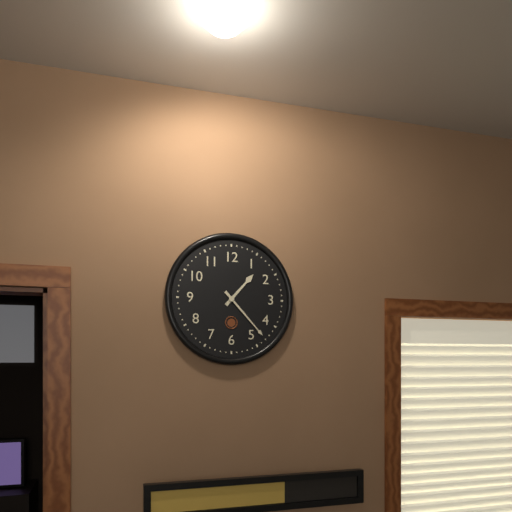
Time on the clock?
1:23
